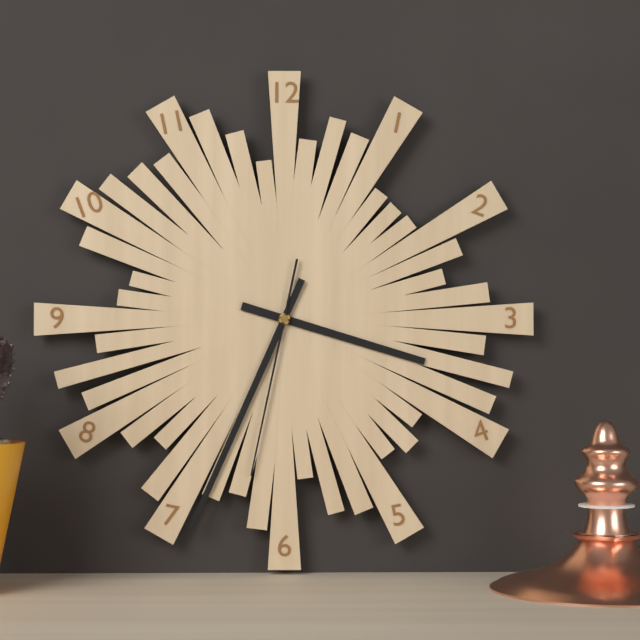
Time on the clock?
3:34:32
